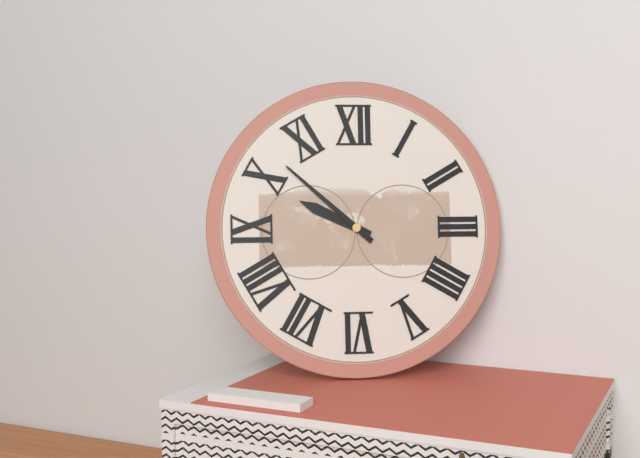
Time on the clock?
9:52
